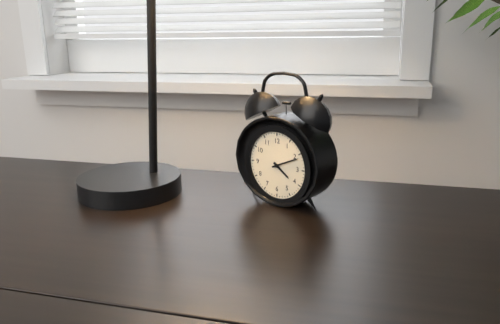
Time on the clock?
4:11
